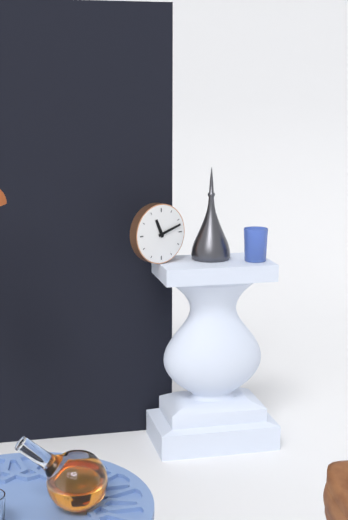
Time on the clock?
11:12
